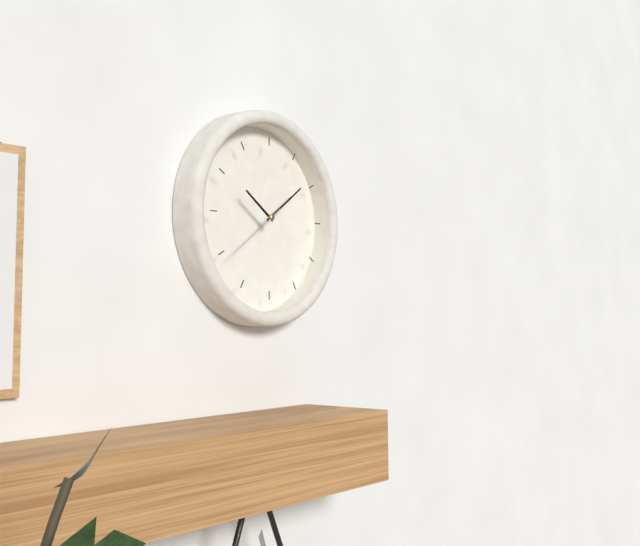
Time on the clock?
10:09:39
